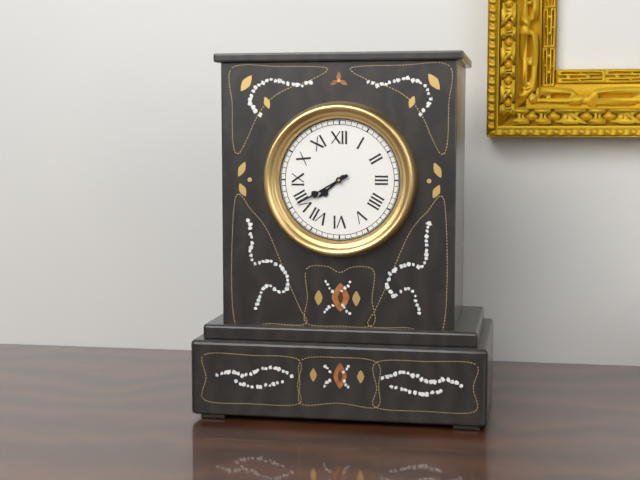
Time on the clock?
7:40
